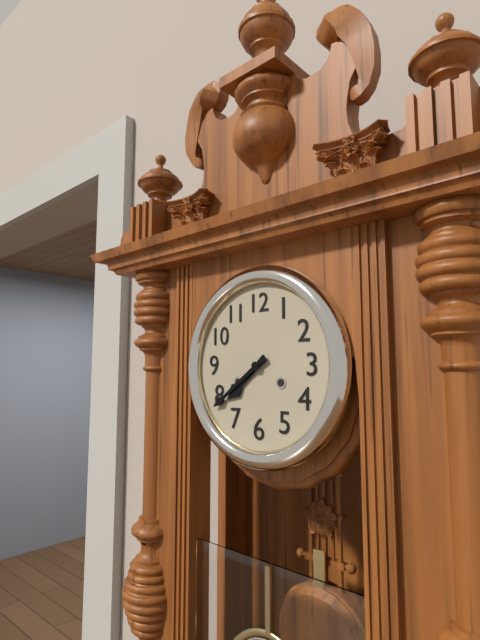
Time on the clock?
7:39
